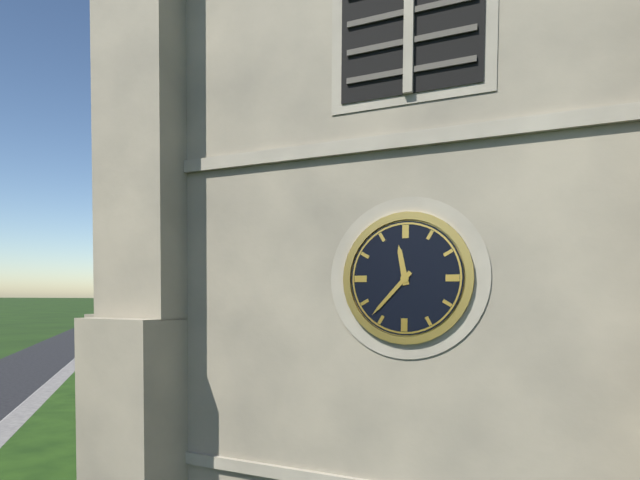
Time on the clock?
11:37
